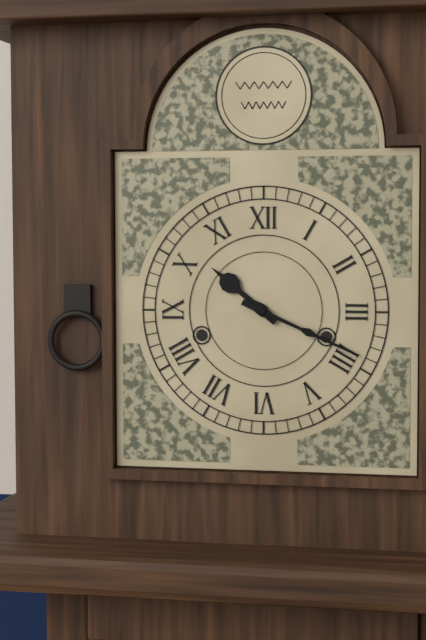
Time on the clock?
10:19
